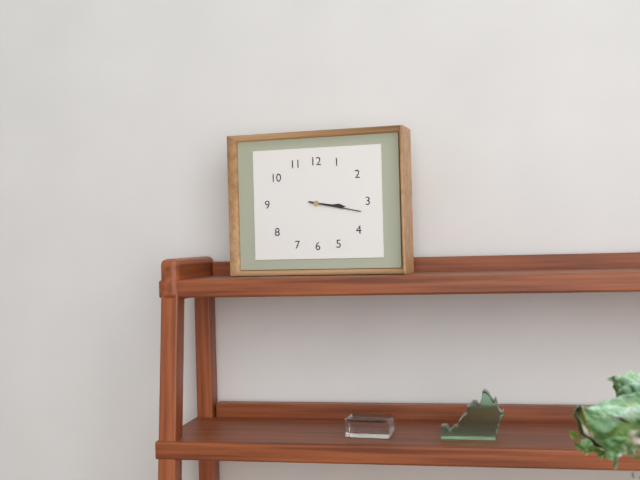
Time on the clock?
3:17
